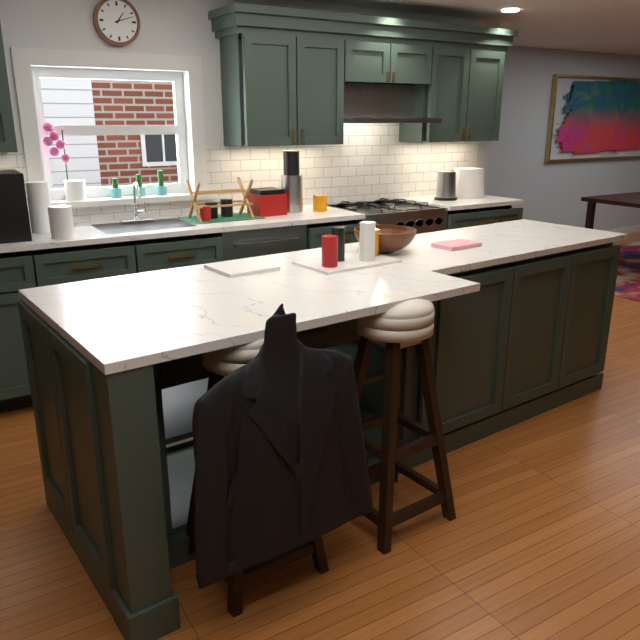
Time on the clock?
1:12
